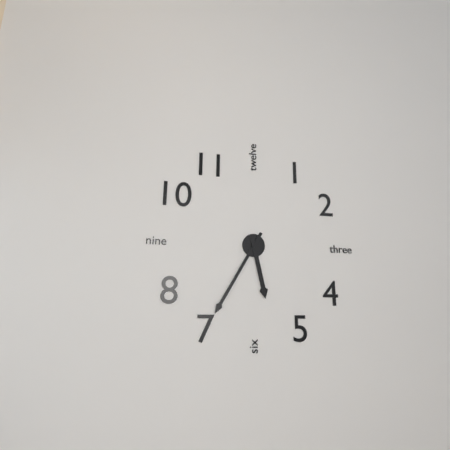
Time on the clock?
5:35
